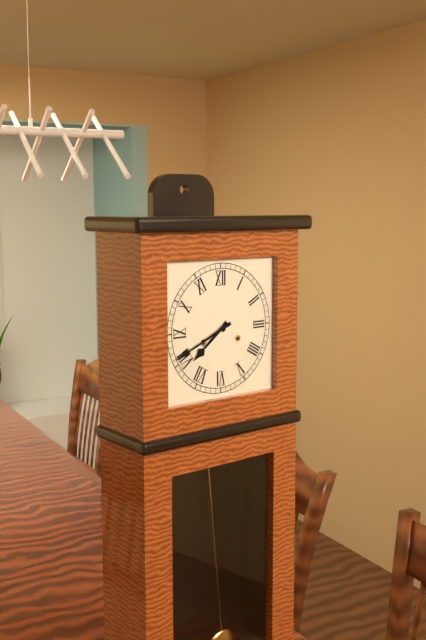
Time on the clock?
7:41
